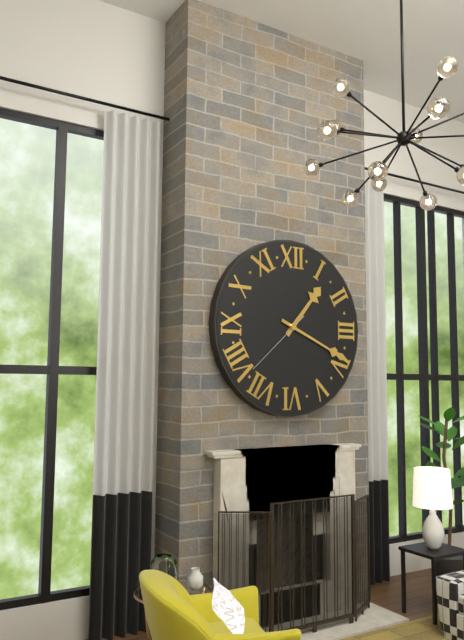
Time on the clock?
1:19:38
